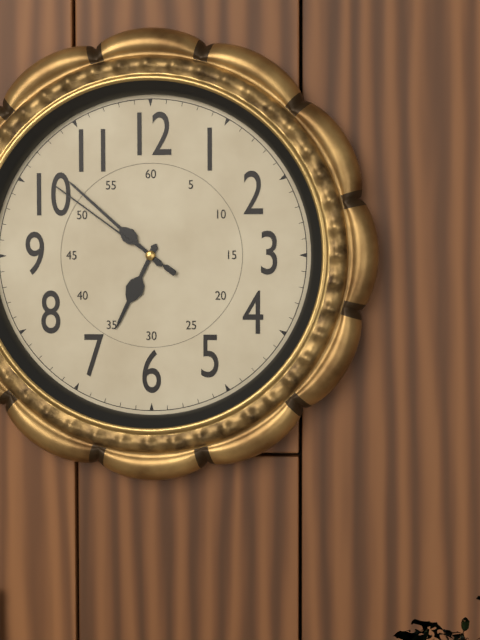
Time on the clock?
6:52:51
